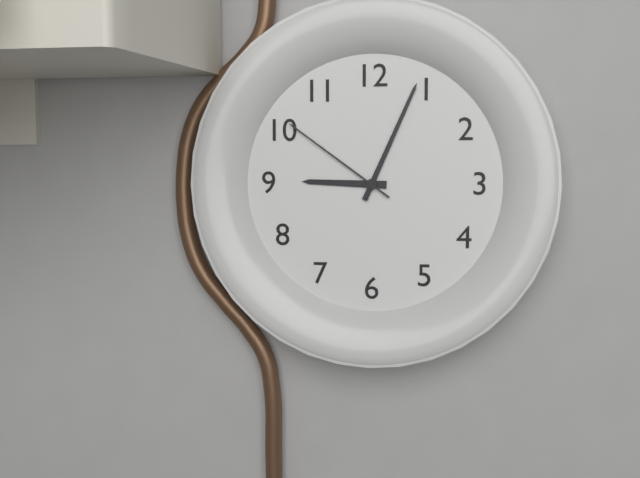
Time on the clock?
9:04:51
